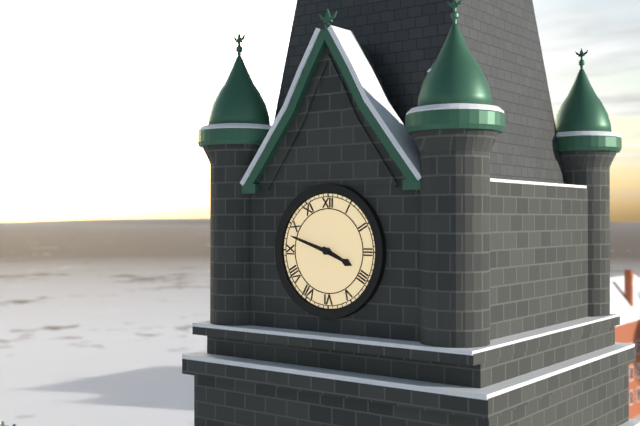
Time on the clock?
3:48
